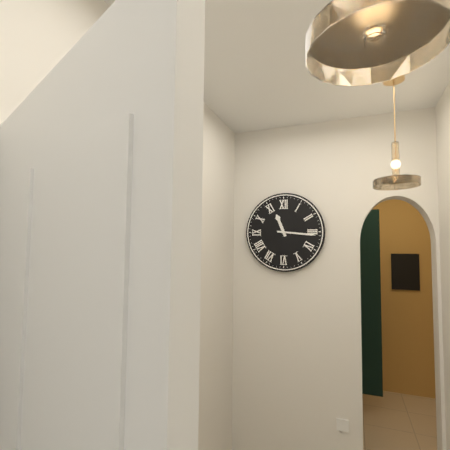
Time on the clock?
11:16
